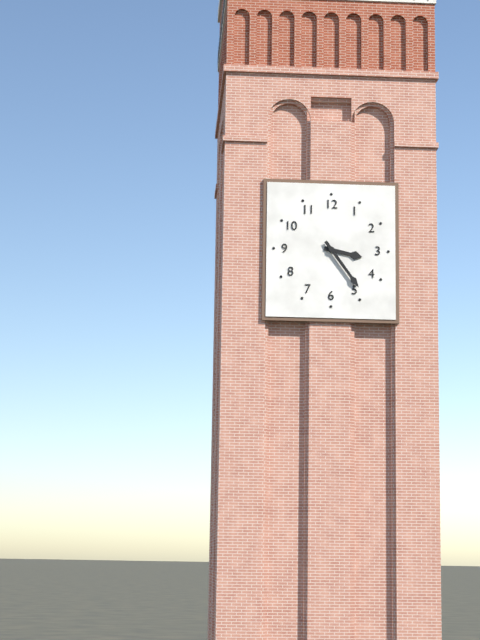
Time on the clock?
3:24
